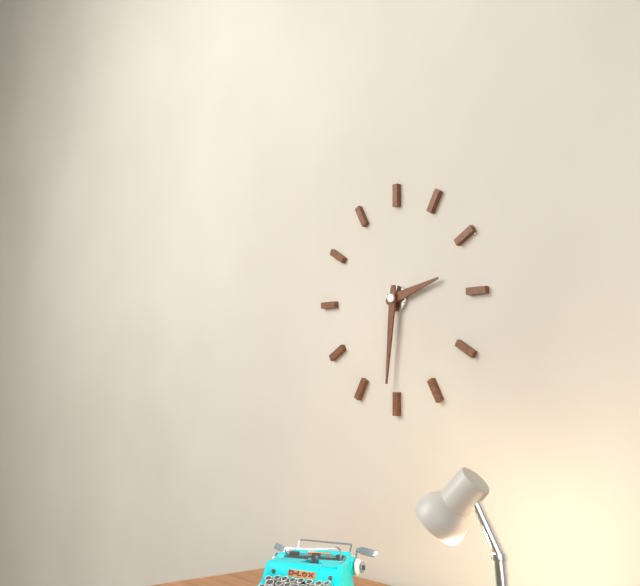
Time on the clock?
2:31
